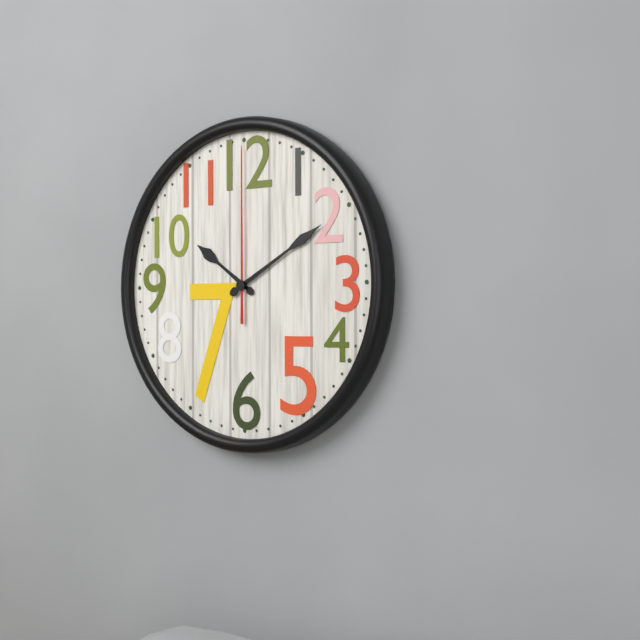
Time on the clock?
10:10:00
